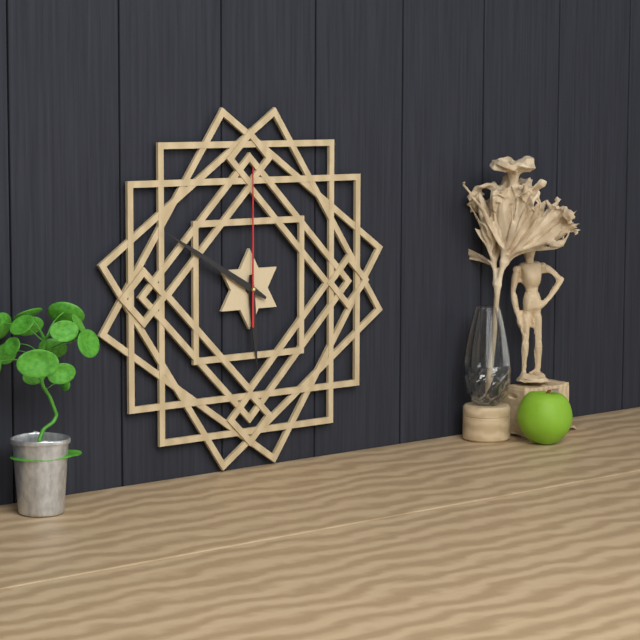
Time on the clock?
5:50:00
